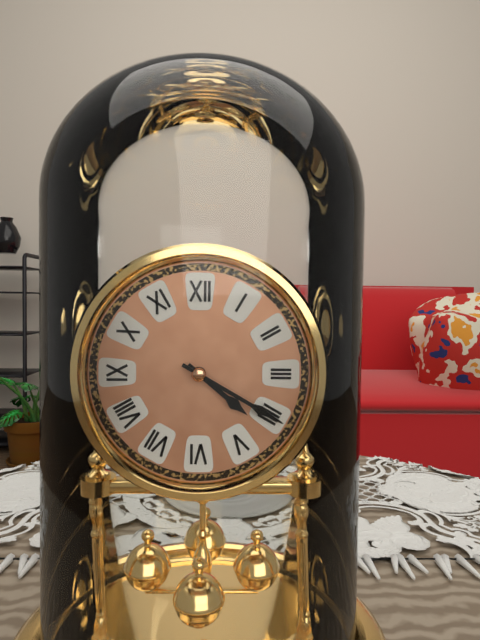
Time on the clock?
4:20
